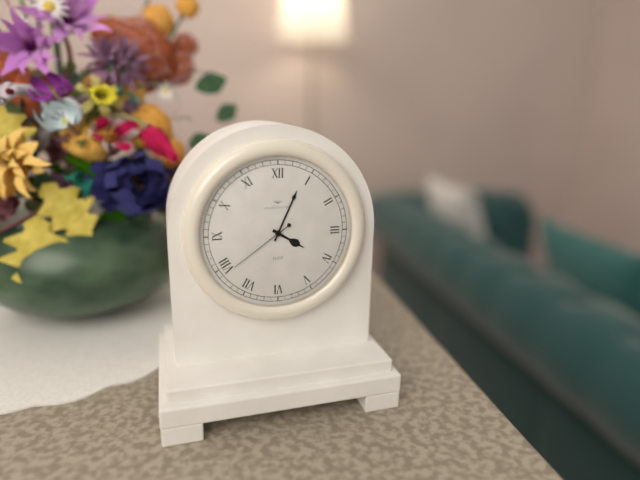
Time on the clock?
4:04:39
